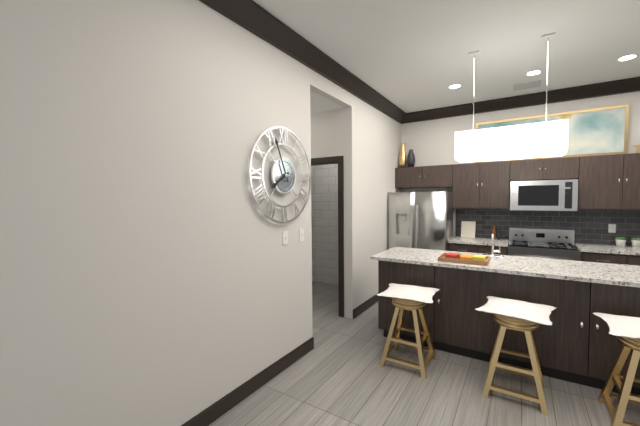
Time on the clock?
7:56
